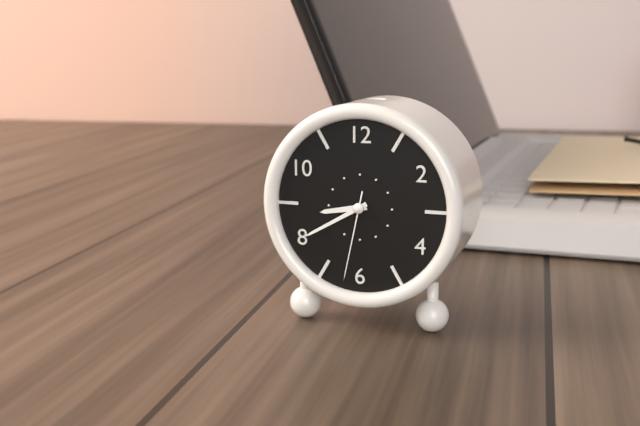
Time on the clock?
8:40:32
